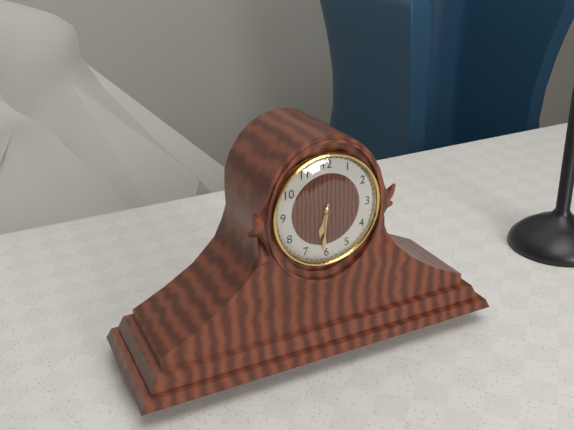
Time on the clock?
6:31
